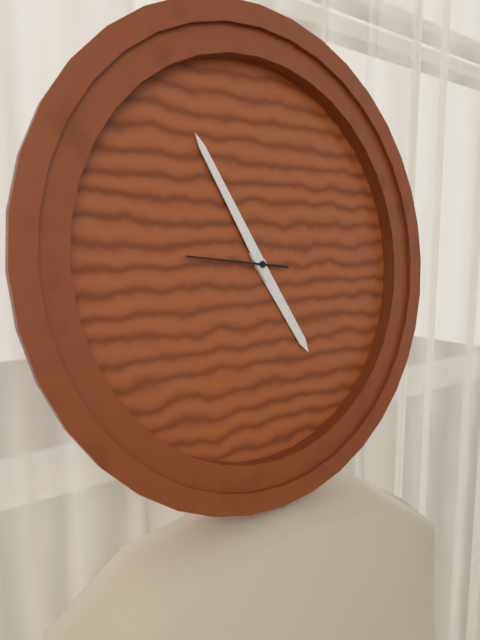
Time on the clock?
4:55:46
